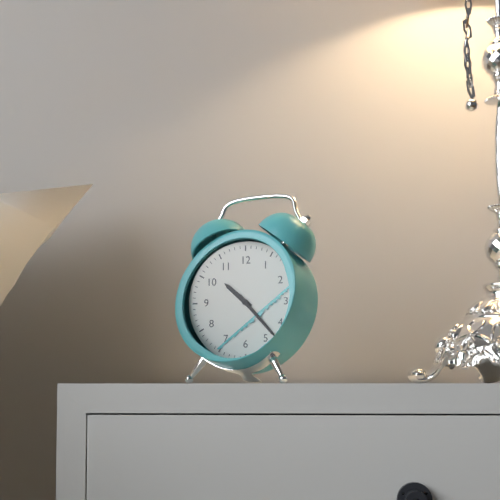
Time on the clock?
10:23
